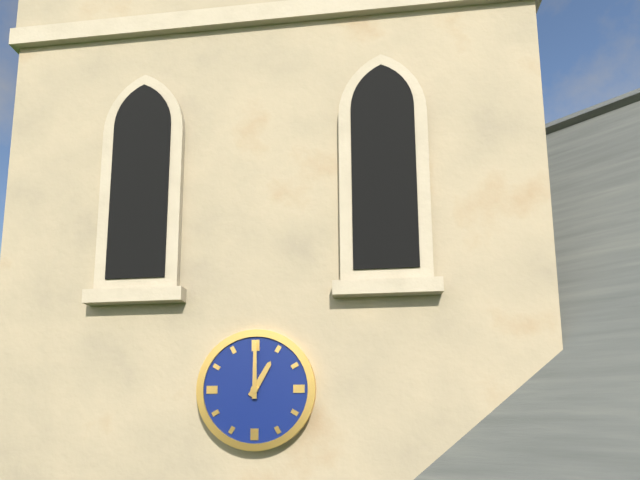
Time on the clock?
1:00
